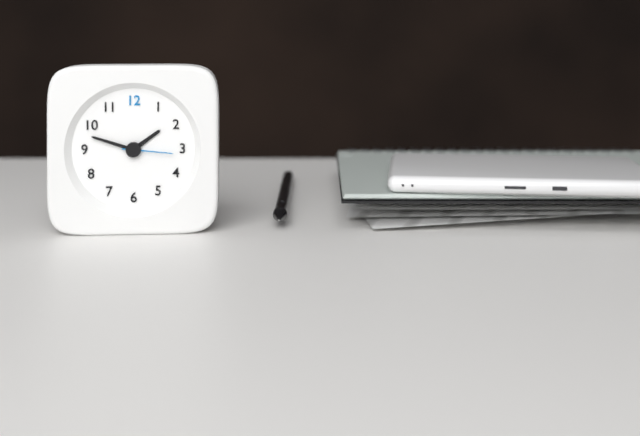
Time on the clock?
1:48:16
